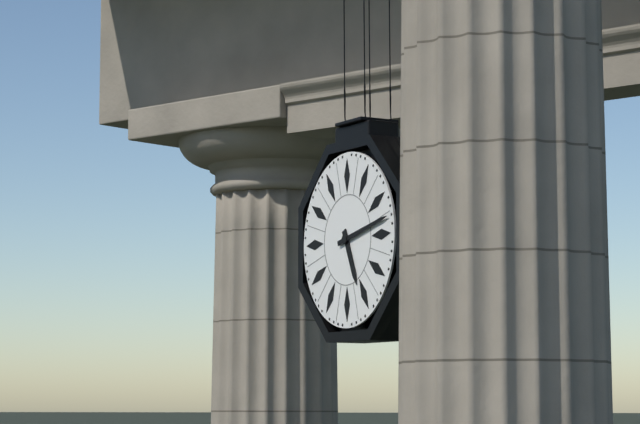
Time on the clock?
5:13
